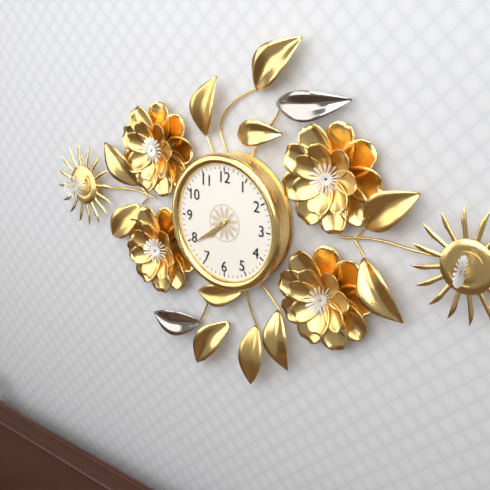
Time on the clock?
7:39
